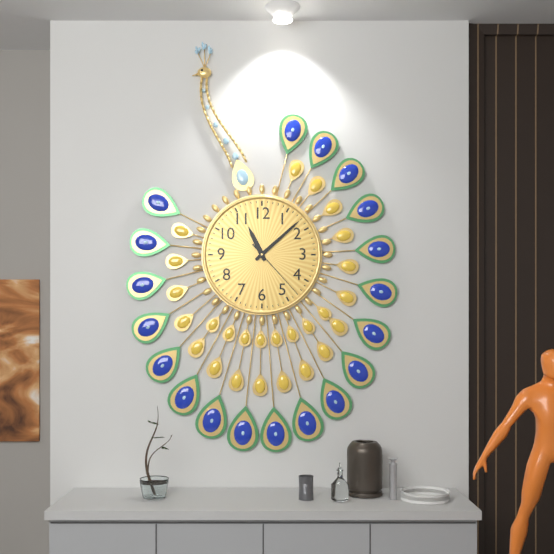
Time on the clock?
11:08:23
